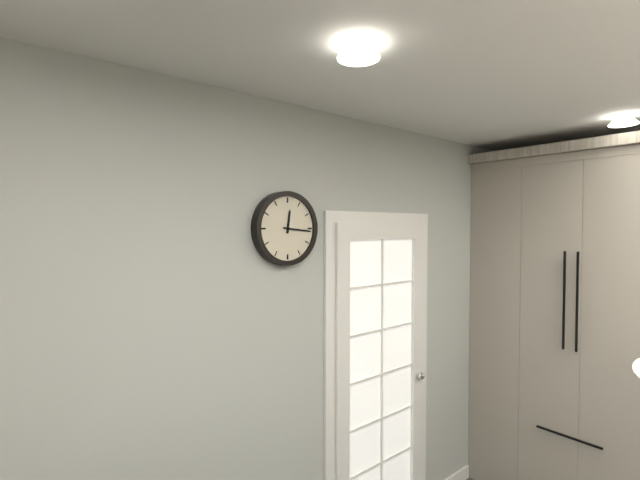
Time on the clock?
12:16
